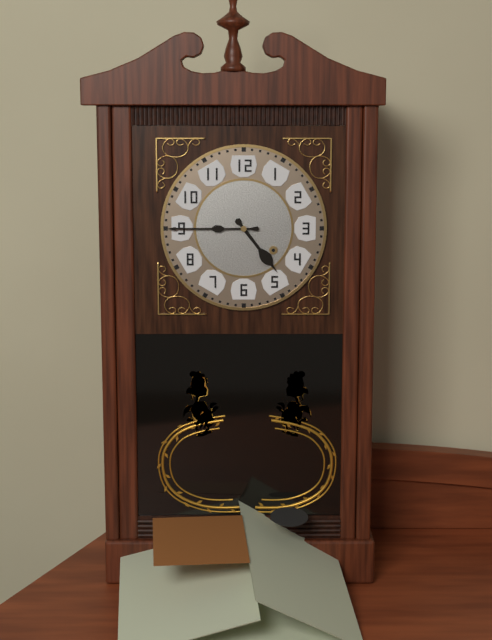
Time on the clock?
4:45
